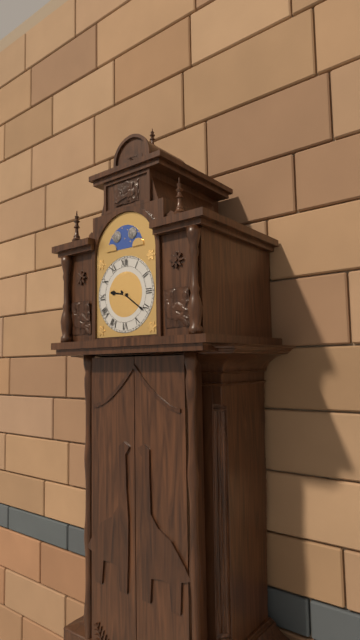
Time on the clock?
9:21
